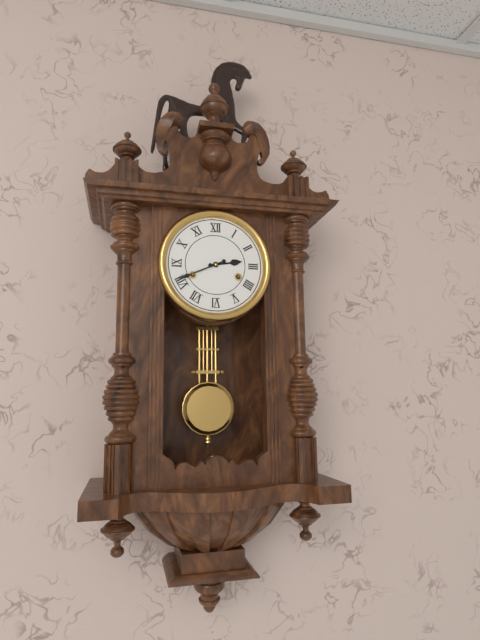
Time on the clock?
2:41
